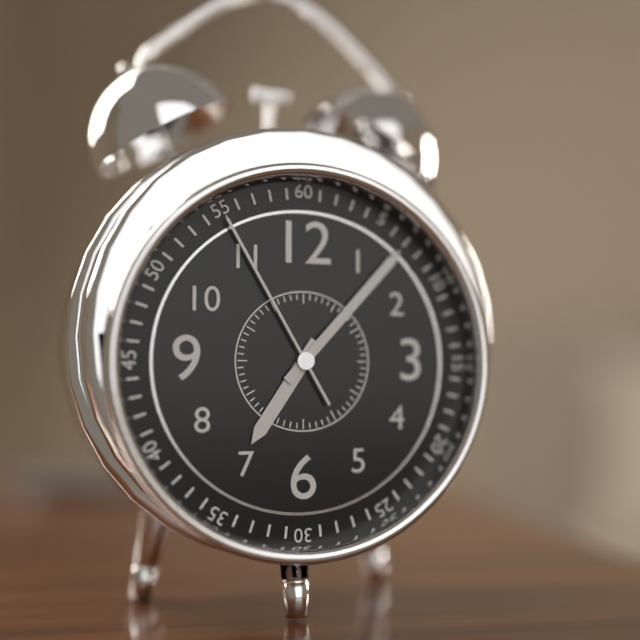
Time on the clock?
7:07:55
